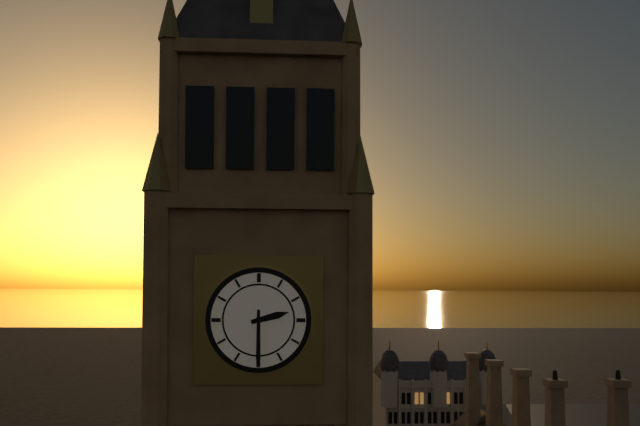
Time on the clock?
2:30
